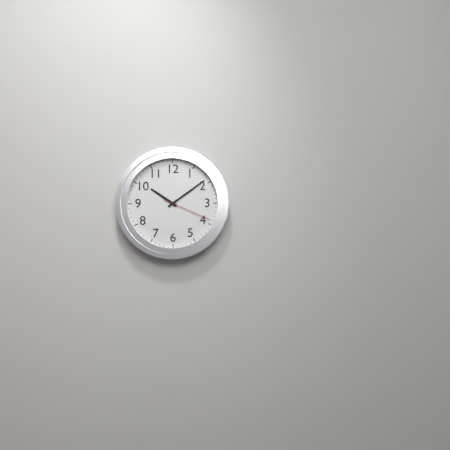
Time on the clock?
10:09:19
